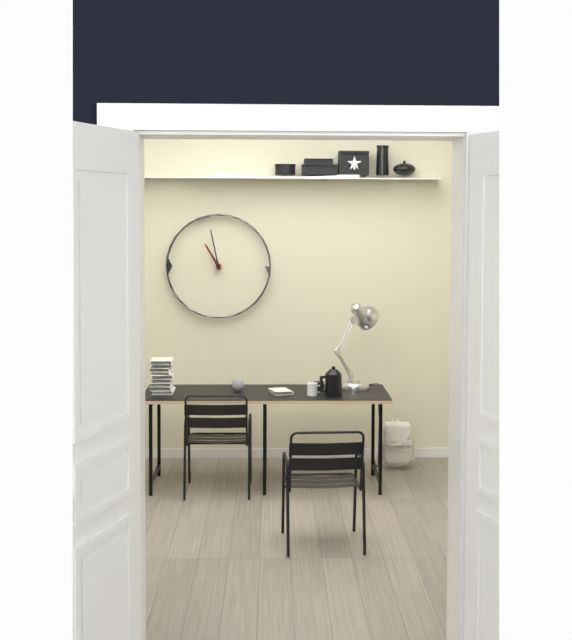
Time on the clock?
10:58
